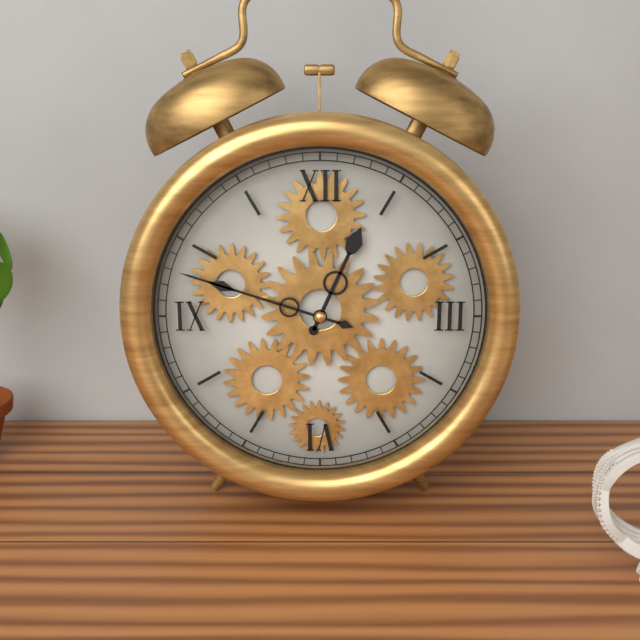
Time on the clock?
12:48
